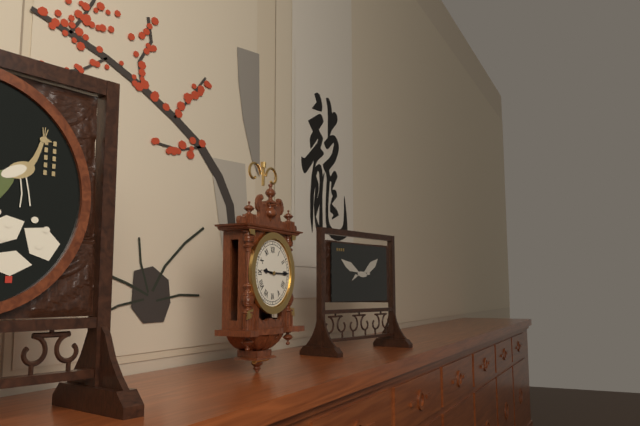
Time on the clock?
9:15
